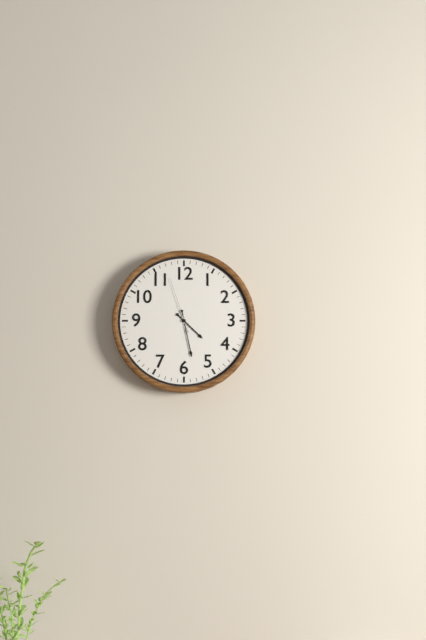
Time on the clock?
4:28:57
